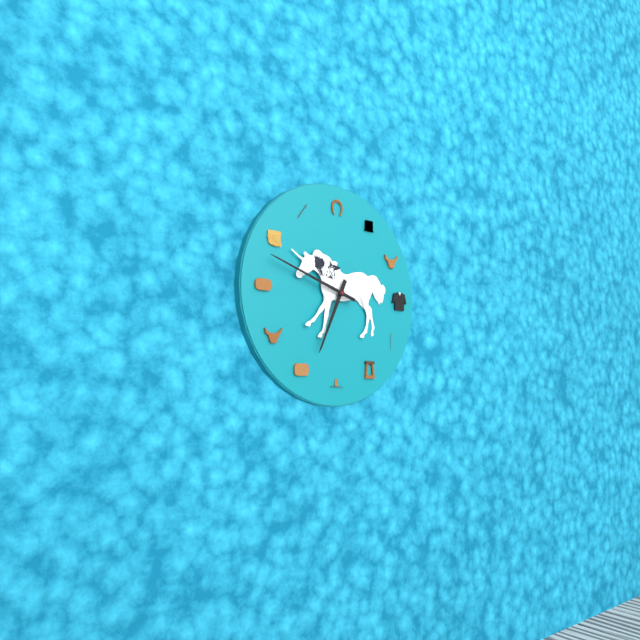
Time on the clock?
6:48
